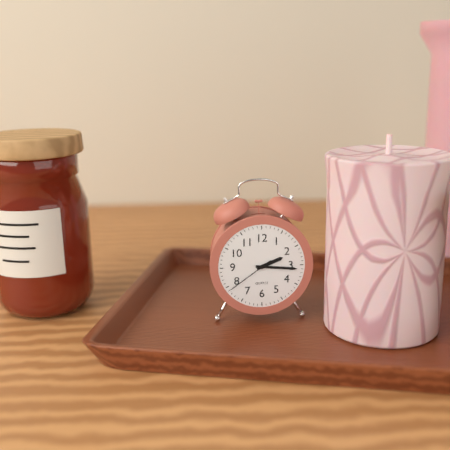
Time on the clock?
2:16
